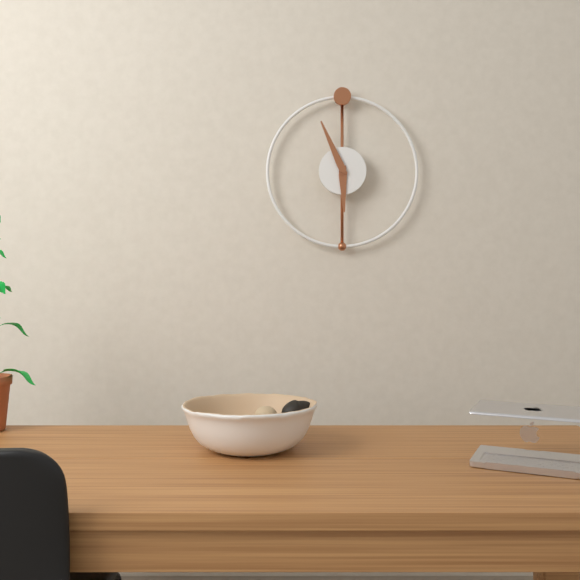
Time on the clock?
5:56
